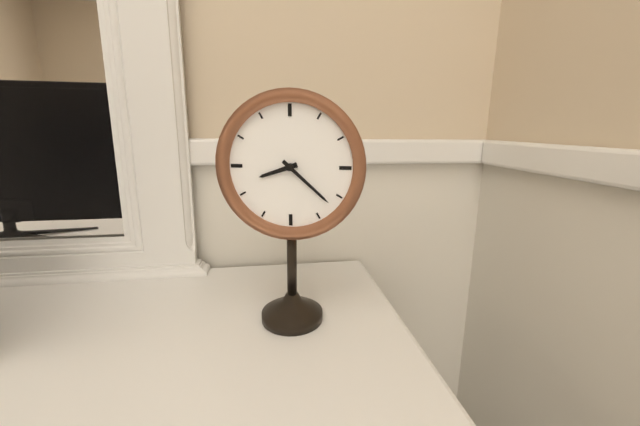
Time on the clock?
8:22
